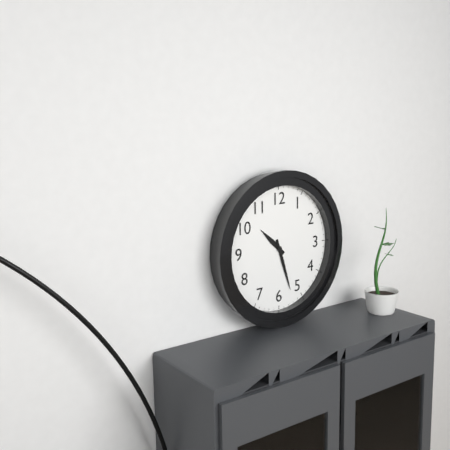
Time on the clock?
10:27
